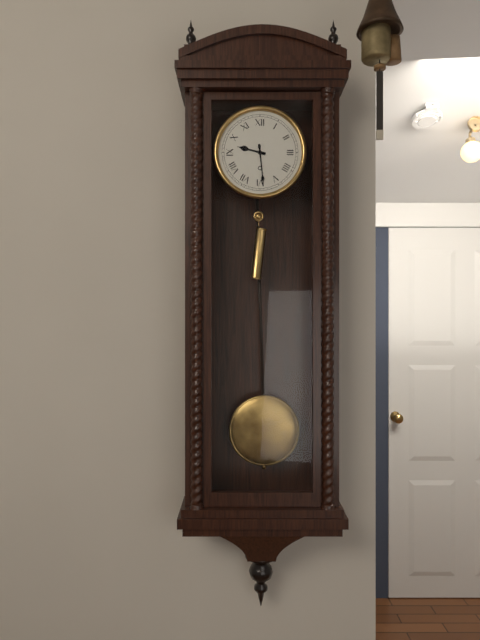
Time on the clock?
9:29
